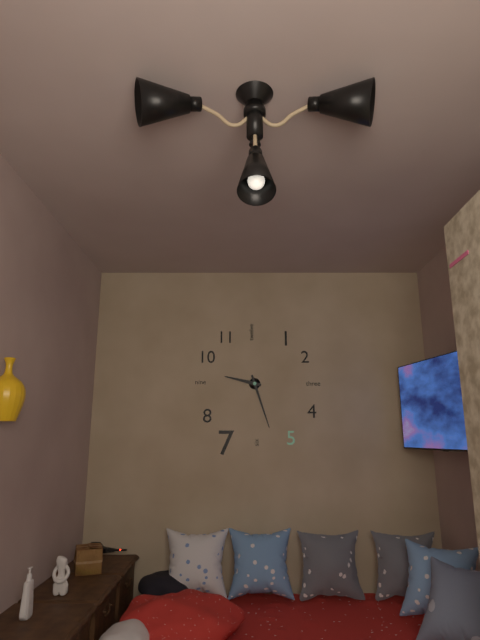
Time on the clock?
9:27
